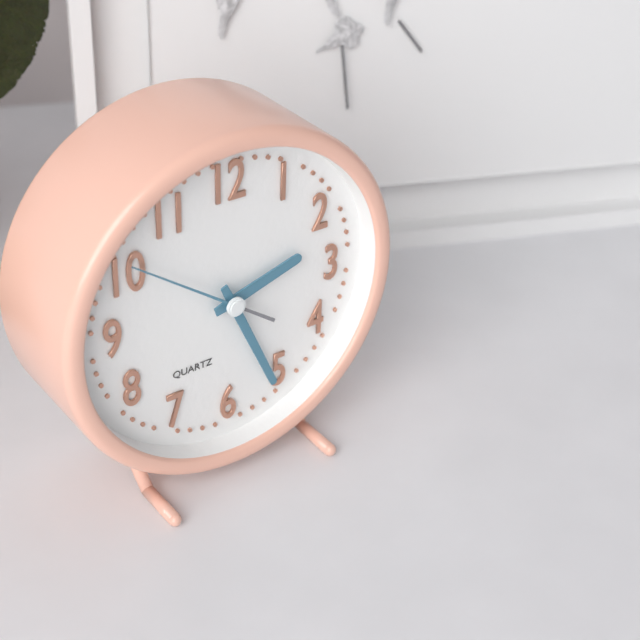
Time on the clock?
2:26:51
